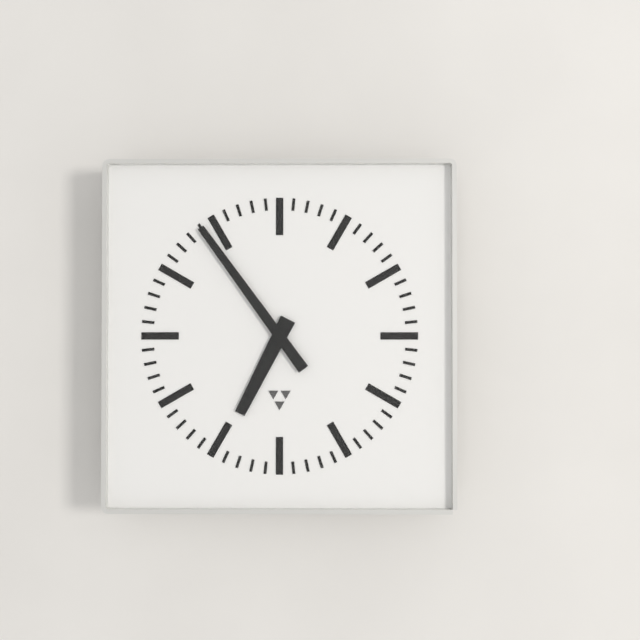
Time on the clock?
6:54
